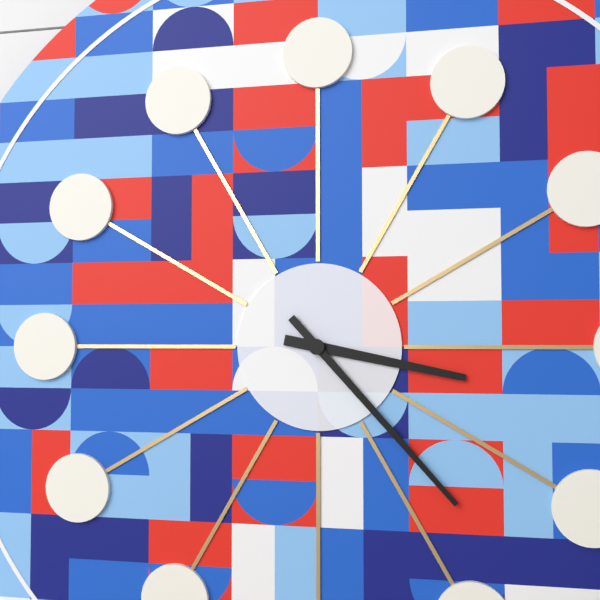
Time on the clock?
3:23
